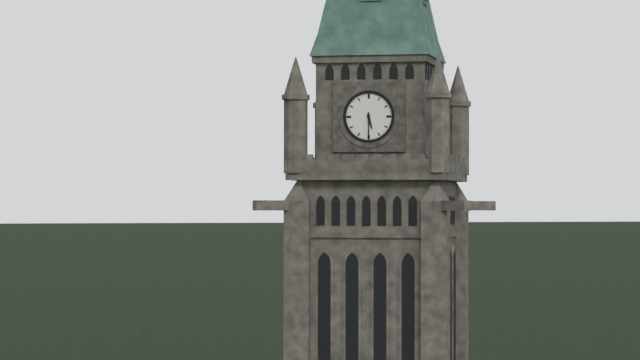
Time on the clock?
5:30
